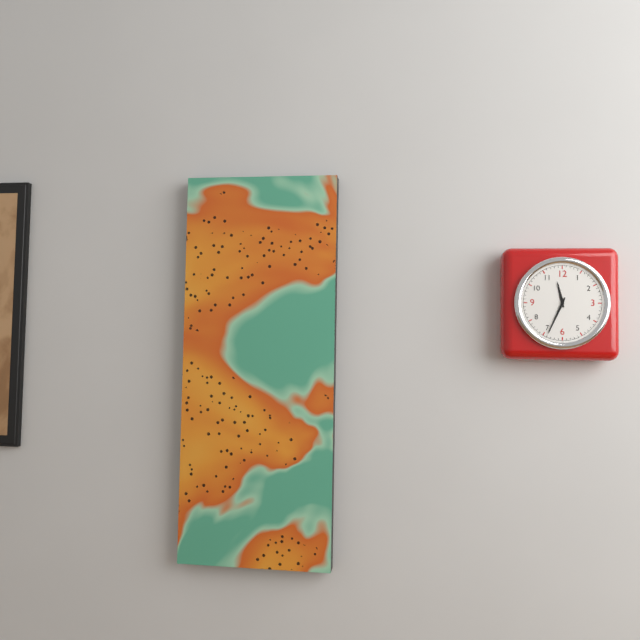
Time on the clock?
11:34
